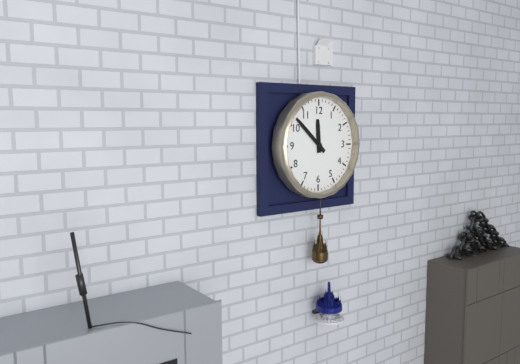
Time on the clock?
11:52
